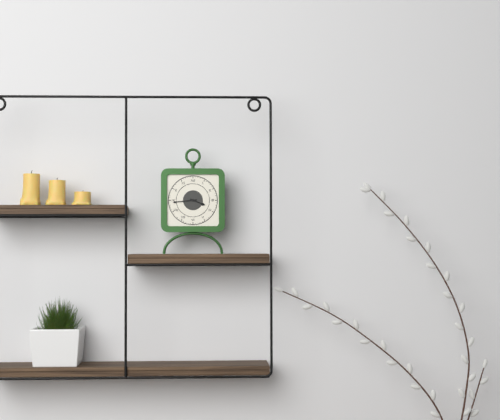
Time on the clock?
3:44
